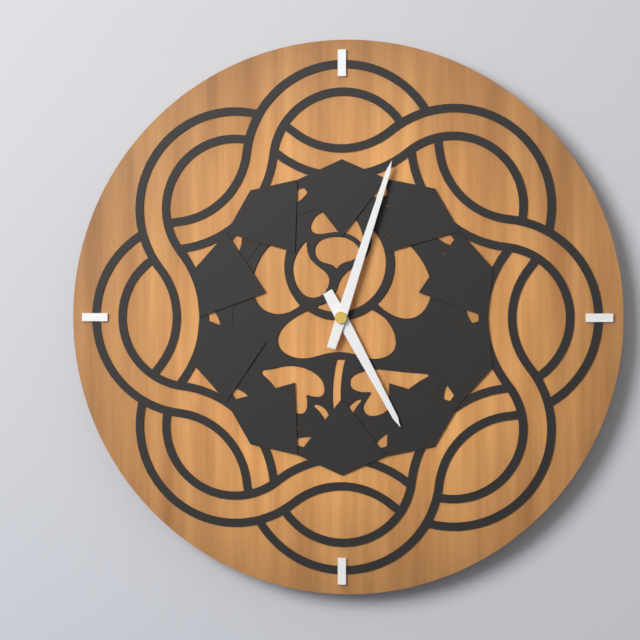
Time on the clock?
5:03
